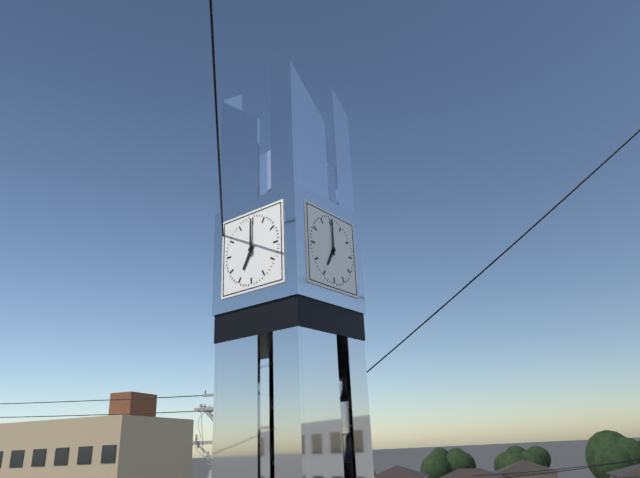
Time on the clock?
7:00
